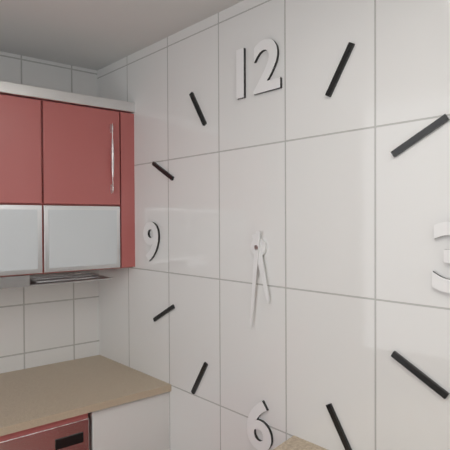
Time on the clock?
5:31
